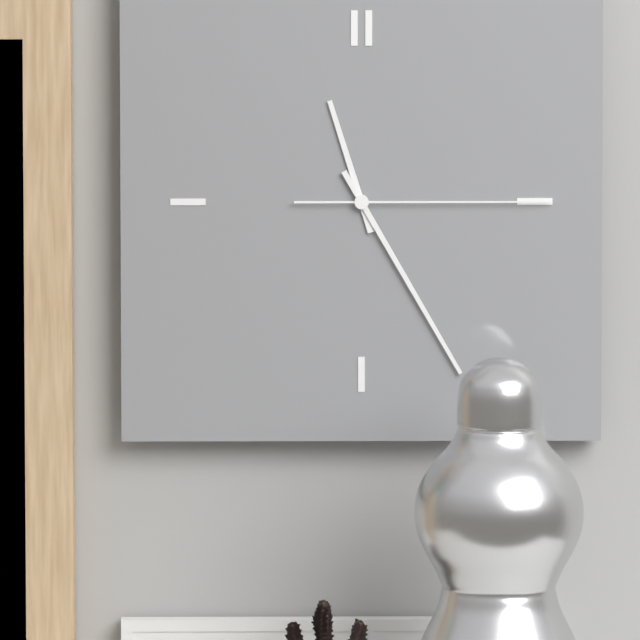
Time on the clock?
11:25:15
